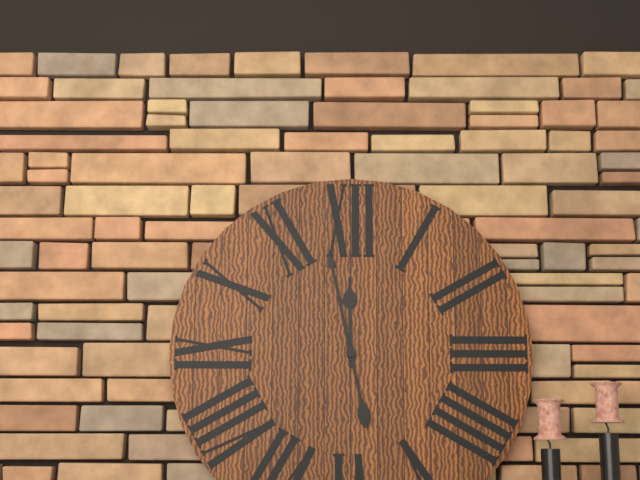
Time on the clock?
11:58
